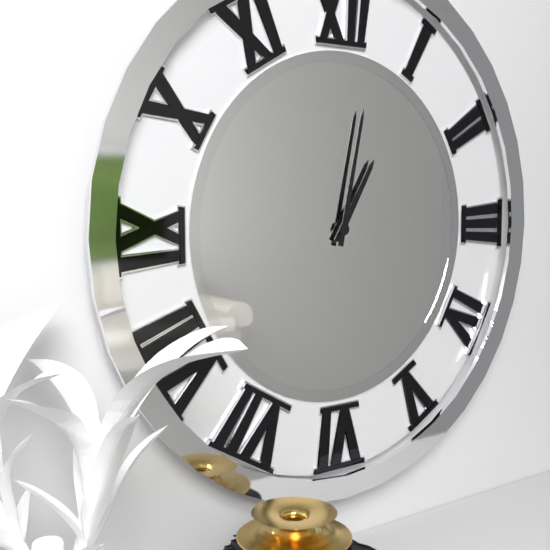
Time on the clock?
1:02
